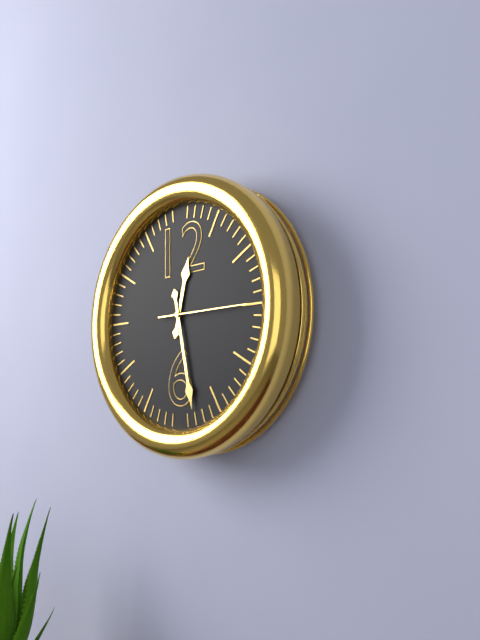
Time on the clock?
12:28:15
